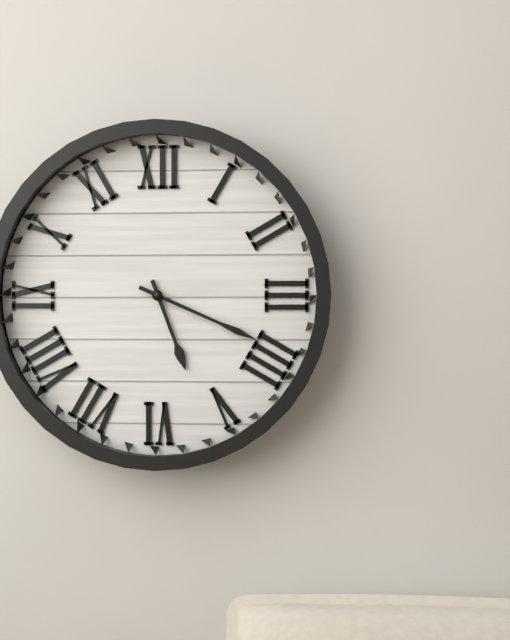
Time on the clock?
5:19
